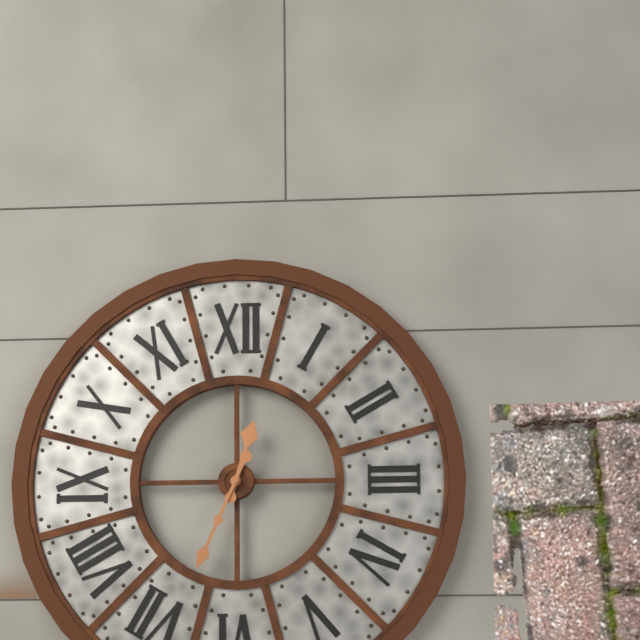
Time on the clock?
12:34
